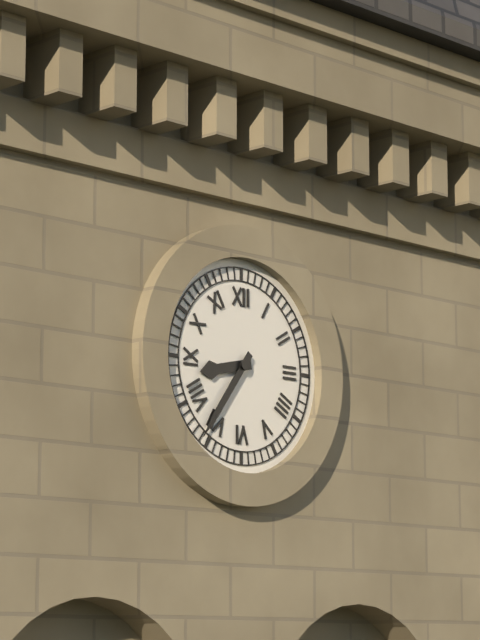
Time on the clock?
8:36
